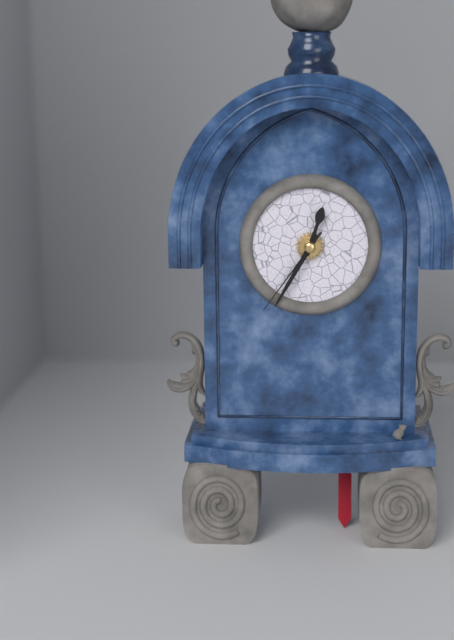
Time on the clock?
12:35:36
